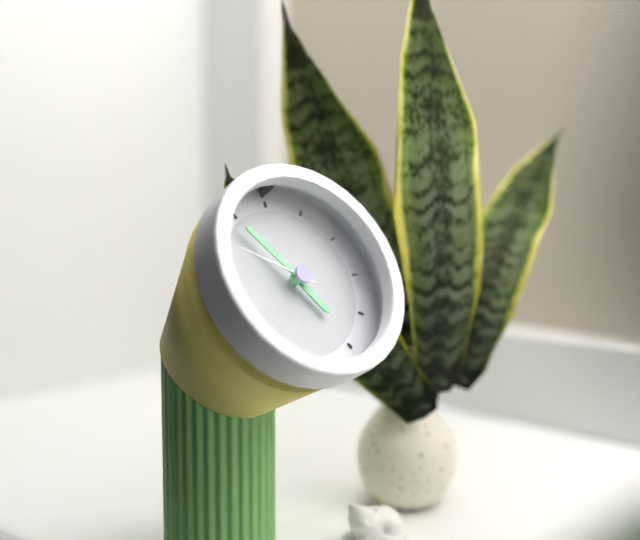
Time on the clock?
4:54:50
